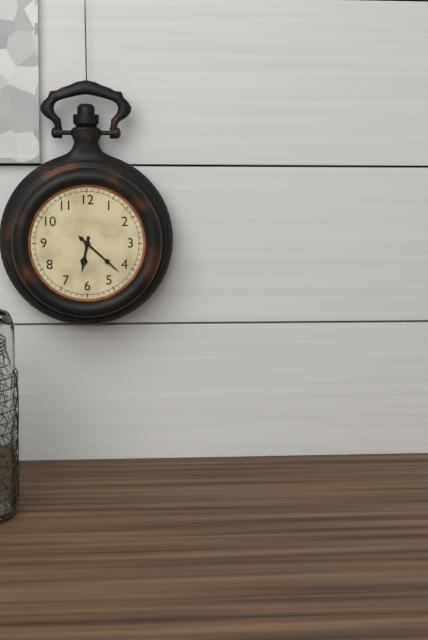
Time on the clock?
6:22
